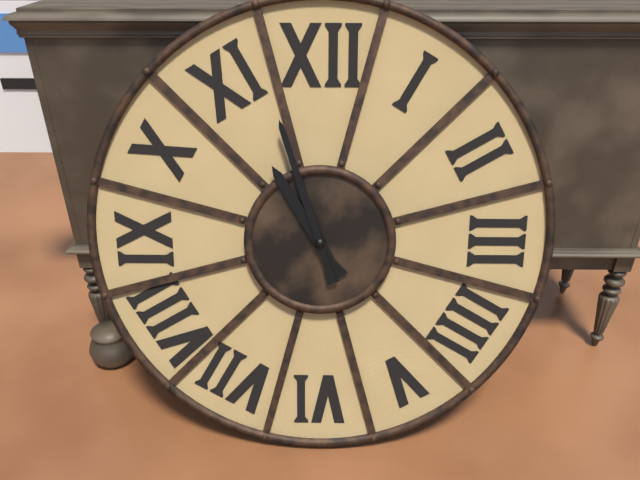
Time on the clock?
10:57
